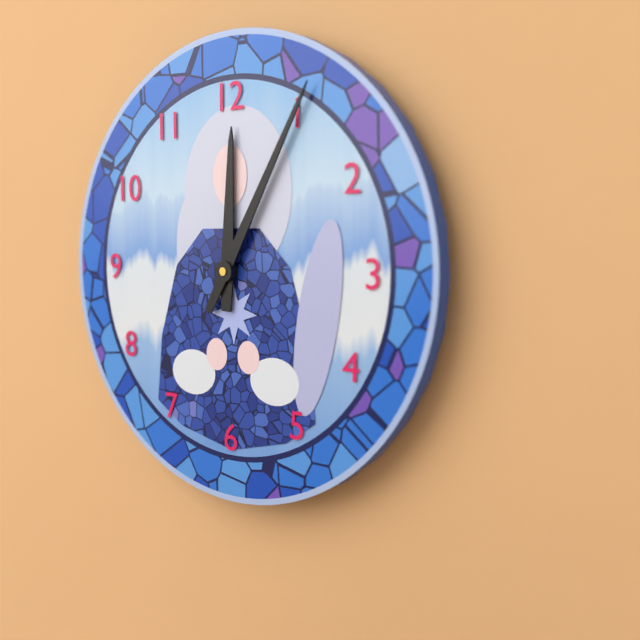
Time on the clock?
12:05
